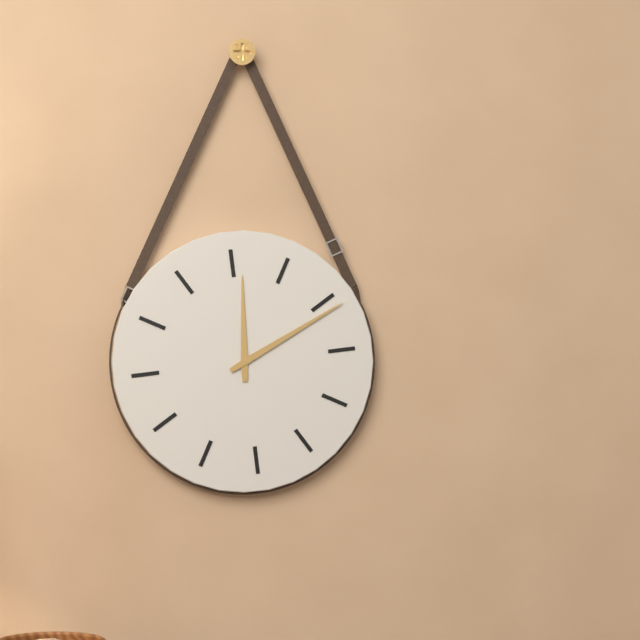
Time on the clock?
12:11
